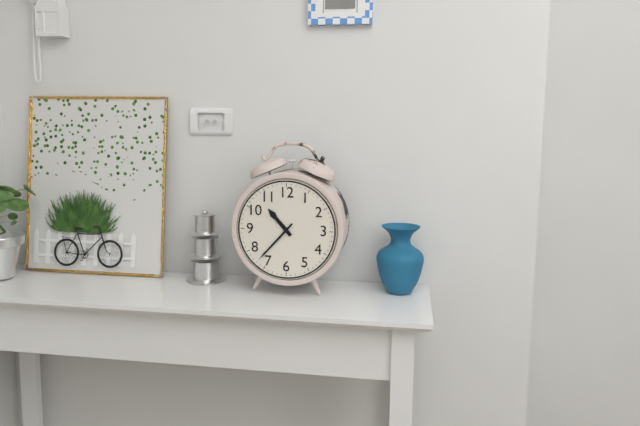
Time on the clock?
10:37
